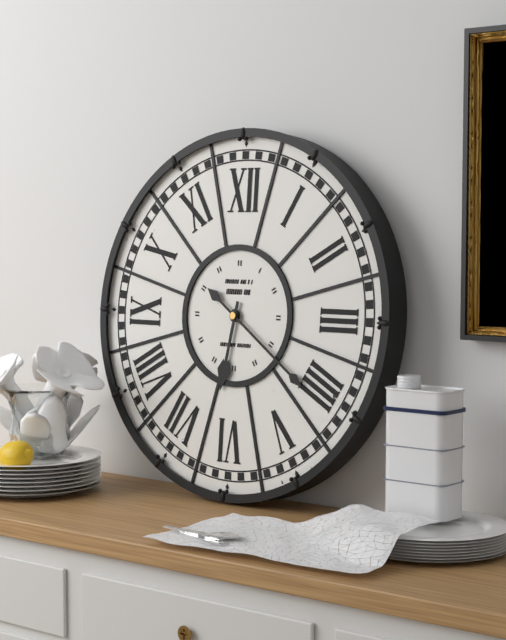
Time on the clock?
6:21
